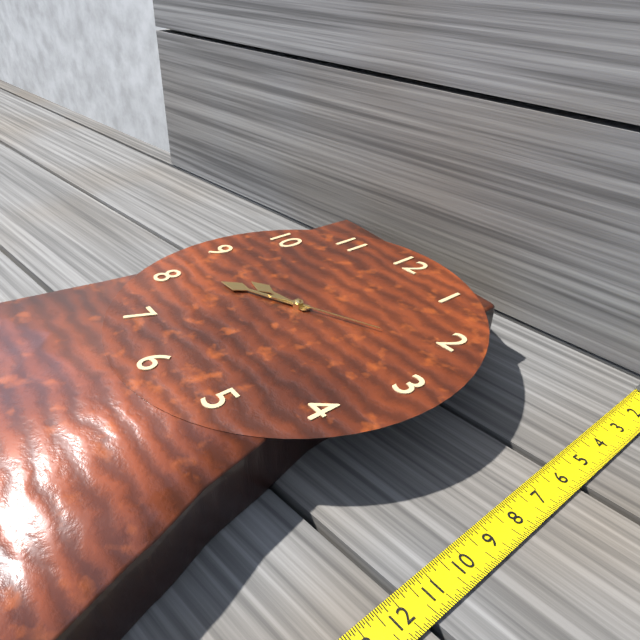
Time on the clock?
8:41:11
